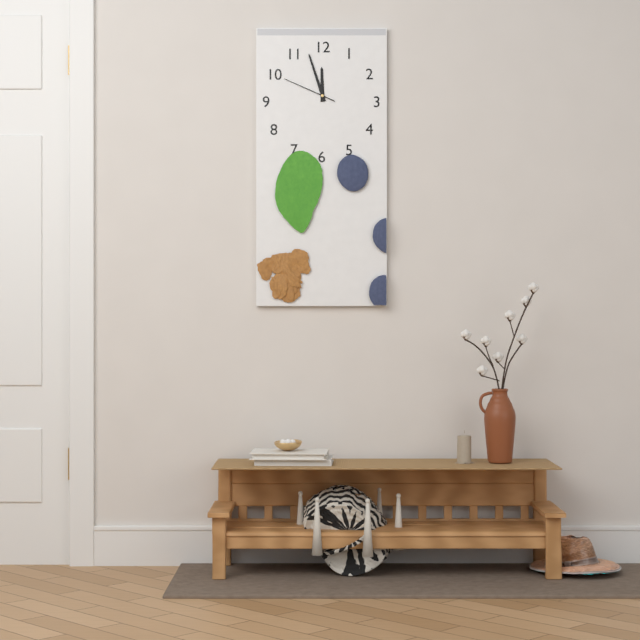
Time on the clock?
11:57:49
